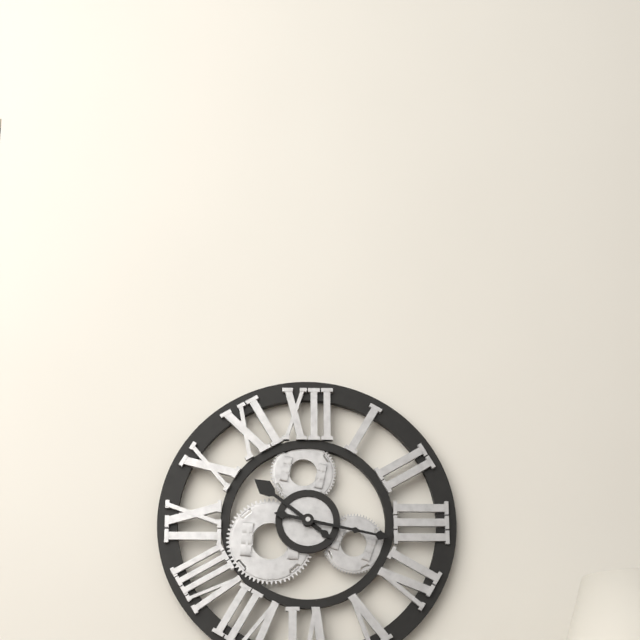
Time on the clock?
10:17
